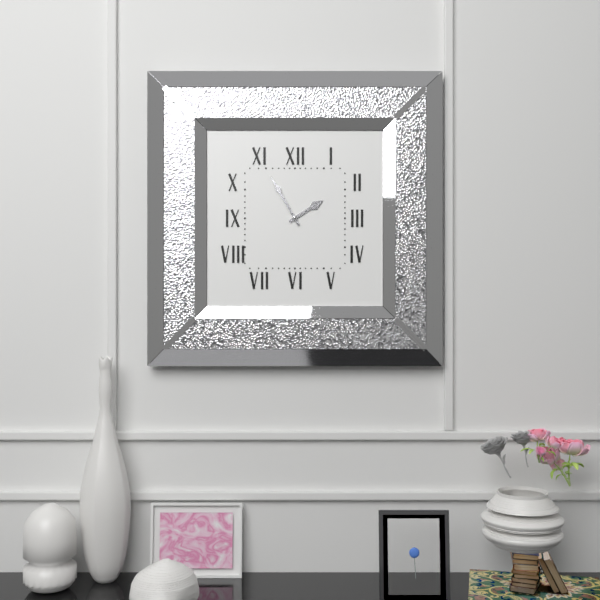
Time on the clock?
1:55
